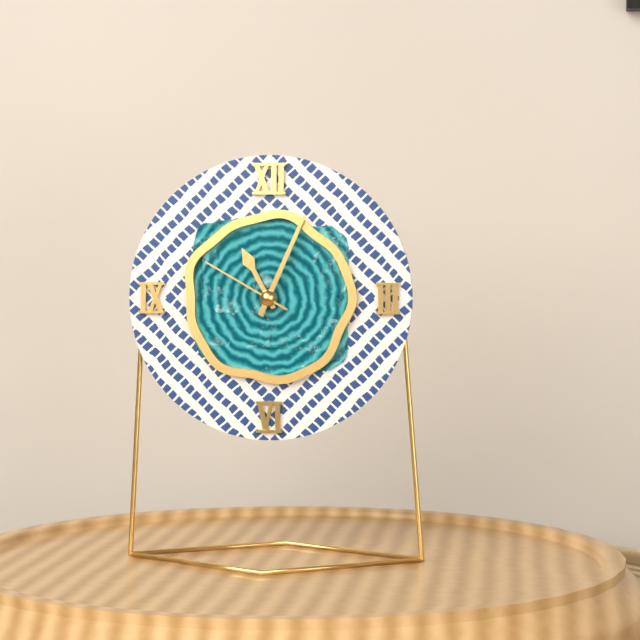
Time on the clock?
11:04:50
